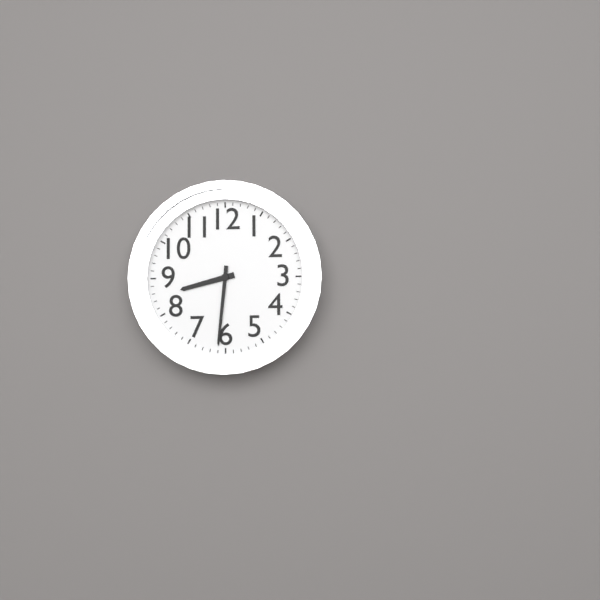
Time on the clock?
8:31
